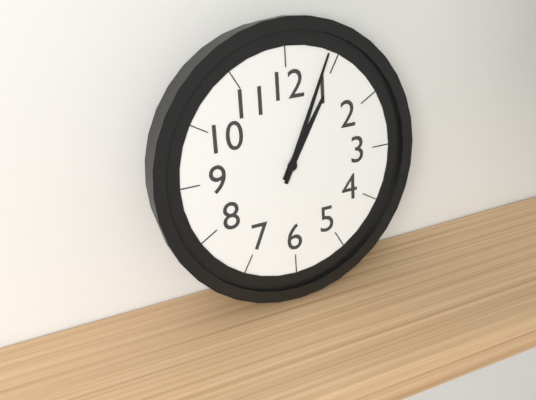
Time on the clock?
1:04
